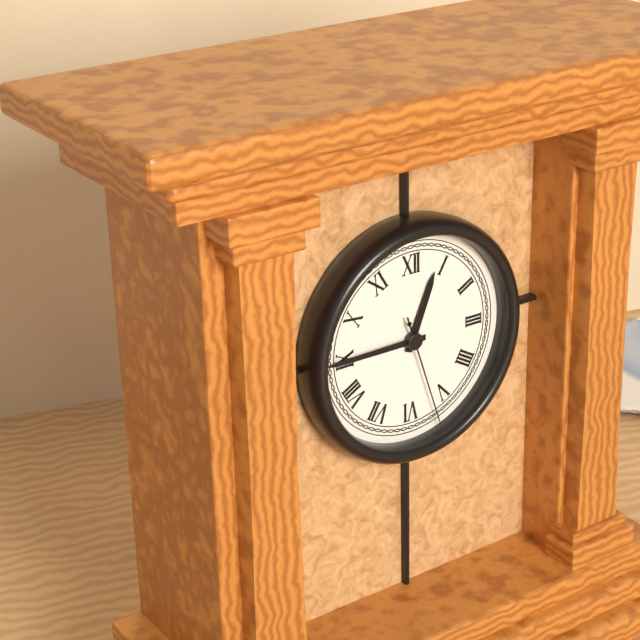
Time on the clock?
12:45:27
